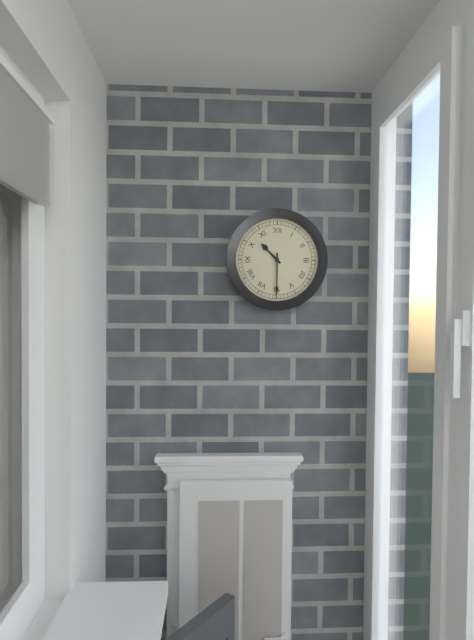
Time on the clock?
10:30
